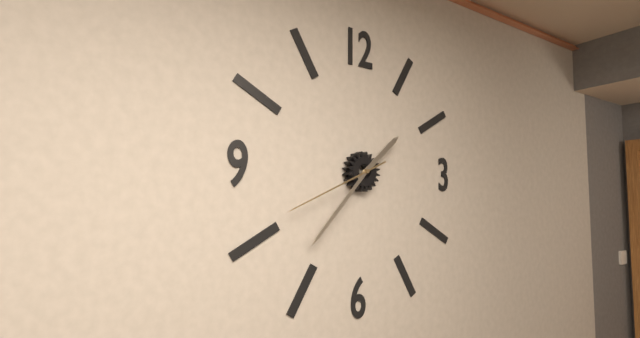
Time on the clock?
1:37:41
